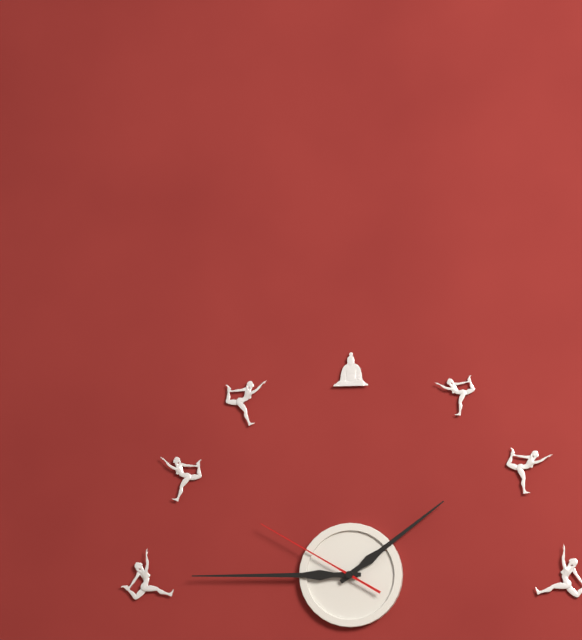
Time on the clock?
1:45:50
